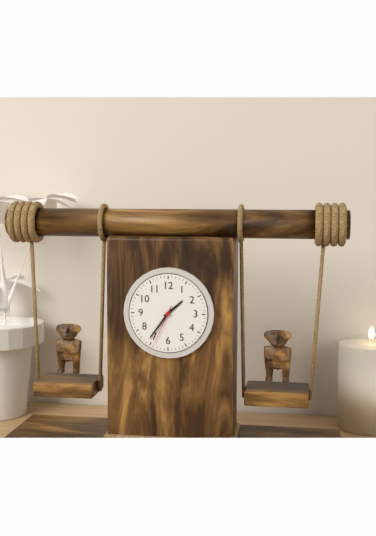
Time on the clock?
1:36
